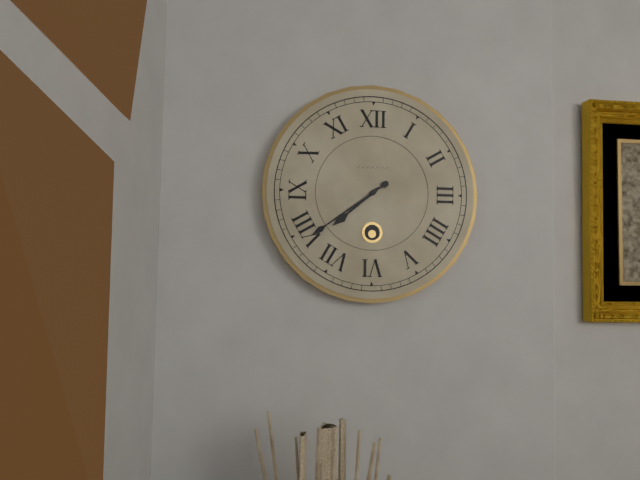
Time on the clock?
7:39
